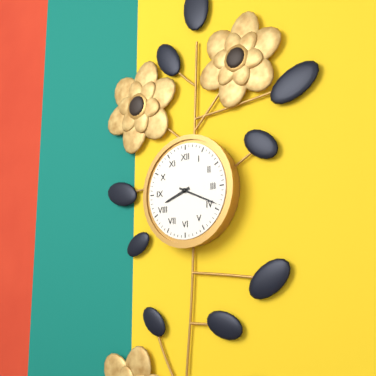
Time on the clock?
8:19
